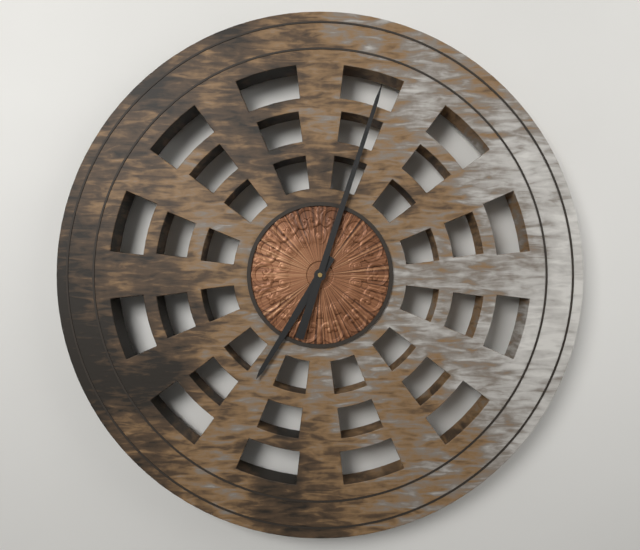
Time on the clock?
7:03
